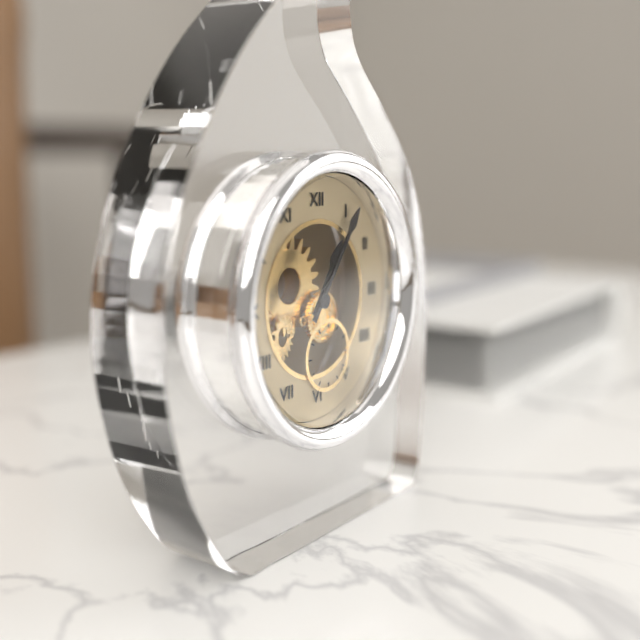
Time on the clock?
1:06
